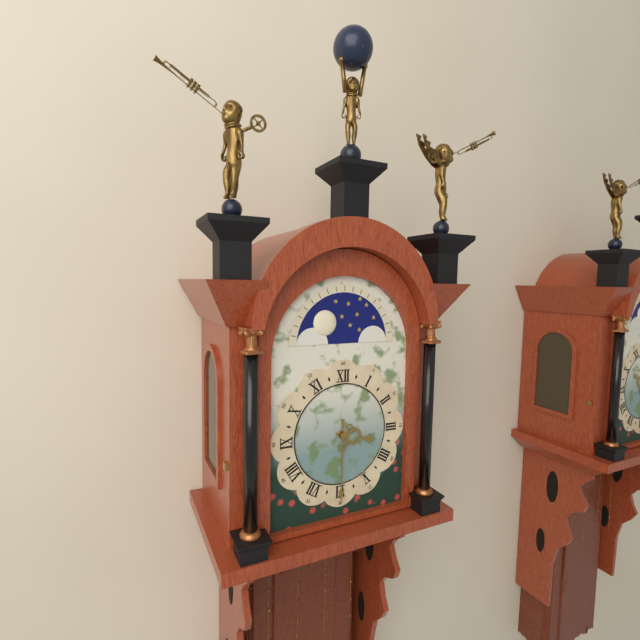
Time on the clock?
3:30
